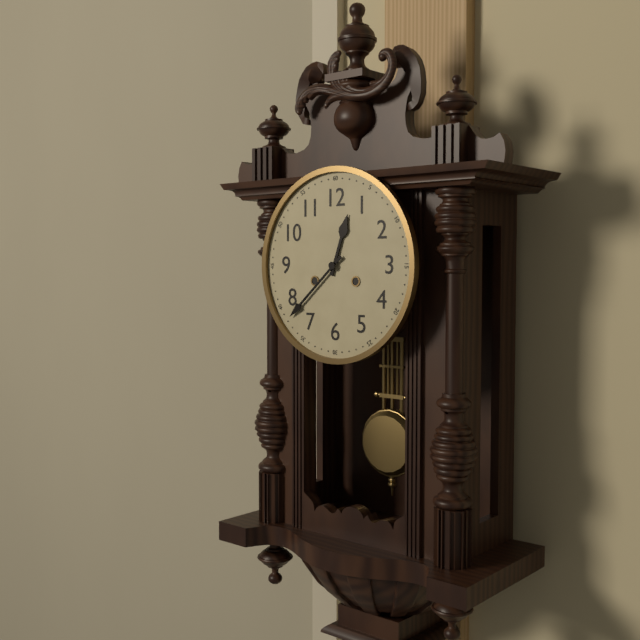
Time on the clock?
12:38
